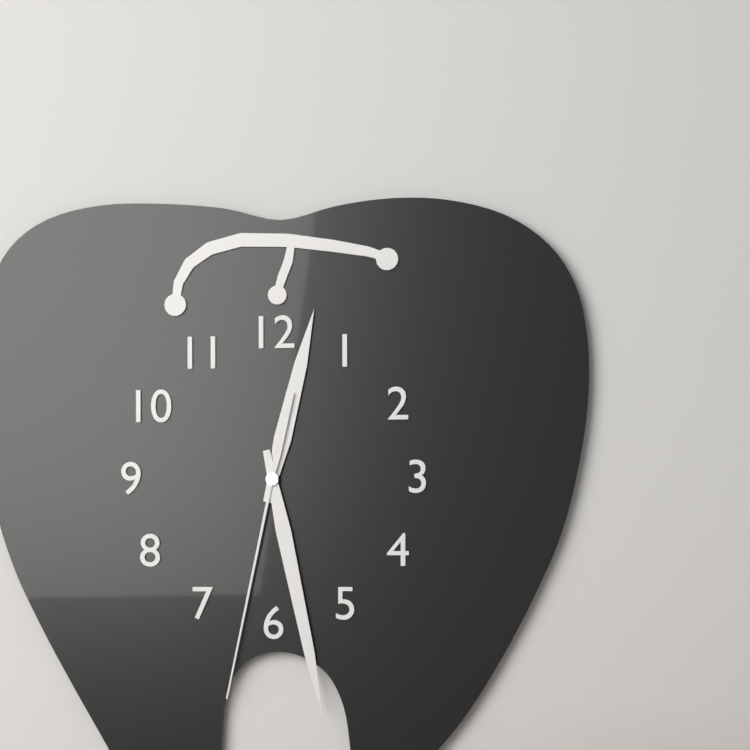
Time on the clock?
12:28:32
